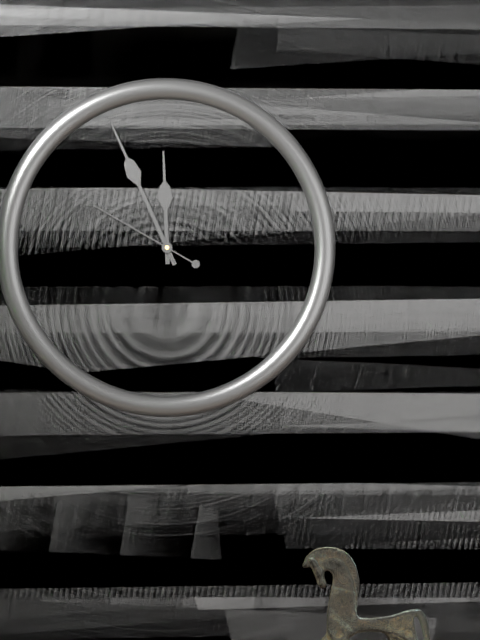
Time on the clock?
11:56:50
